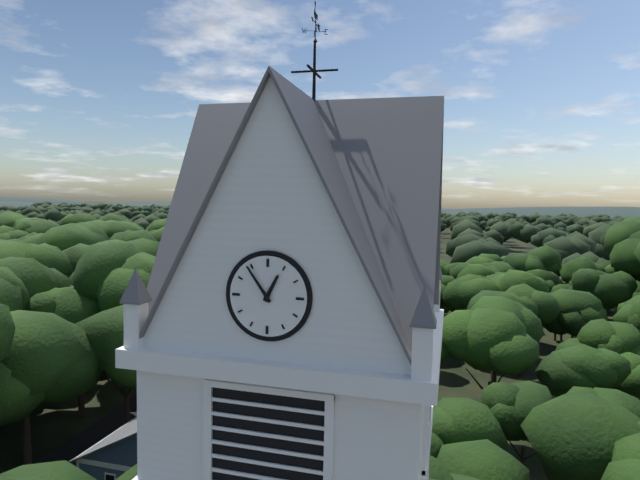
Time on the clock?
12:54
